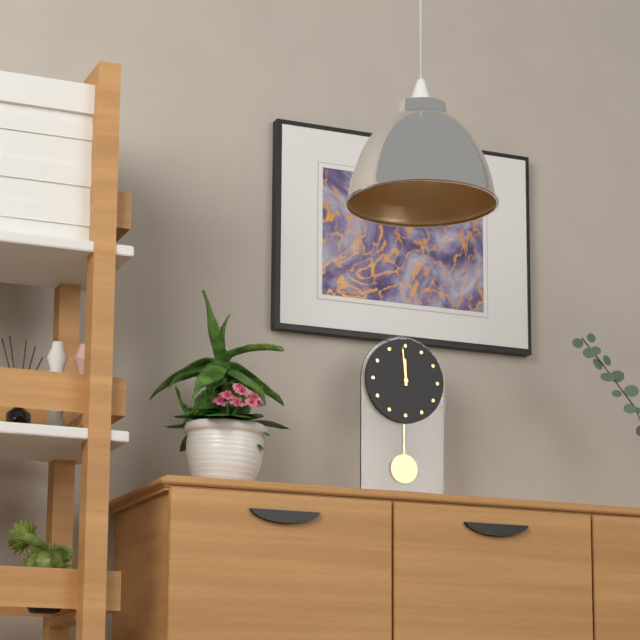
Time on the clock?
11:59
